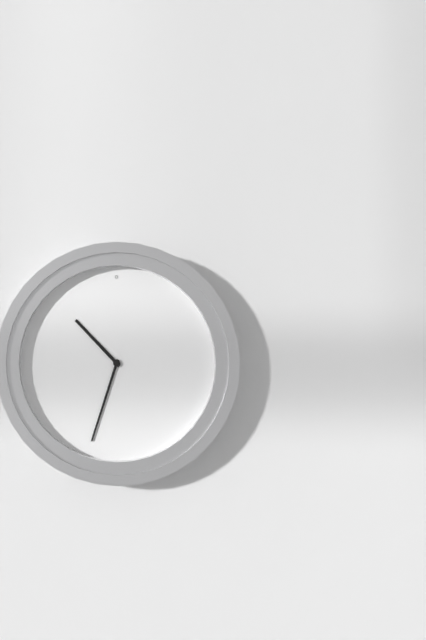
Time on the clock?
10:33
